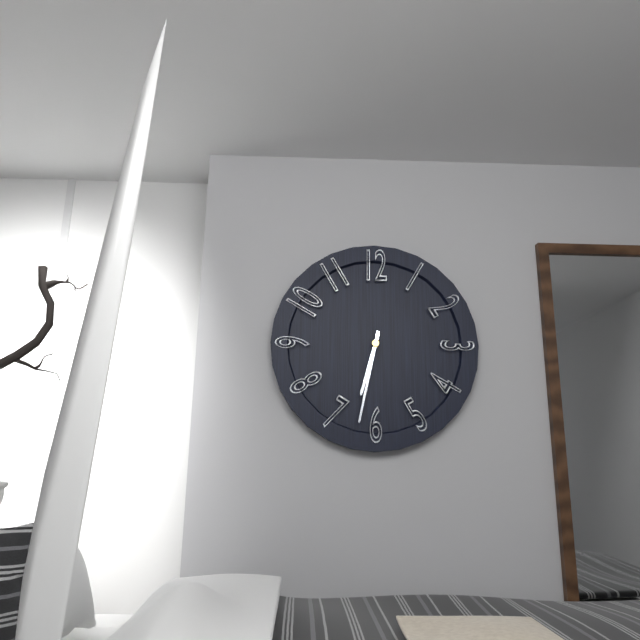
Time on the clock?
6:32
